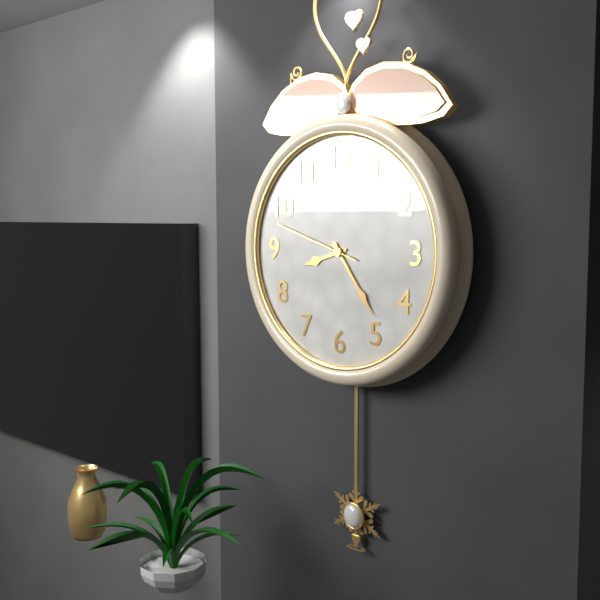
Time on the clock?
8:24:48
